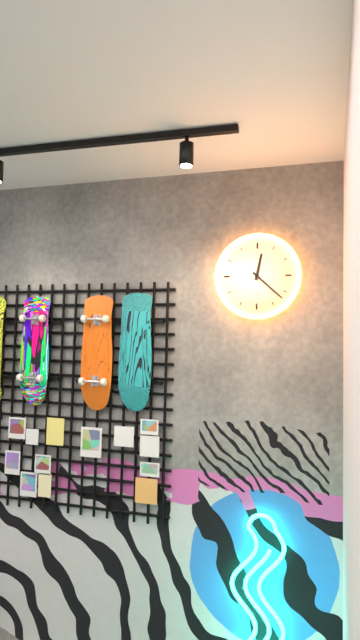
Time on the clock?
12:22
